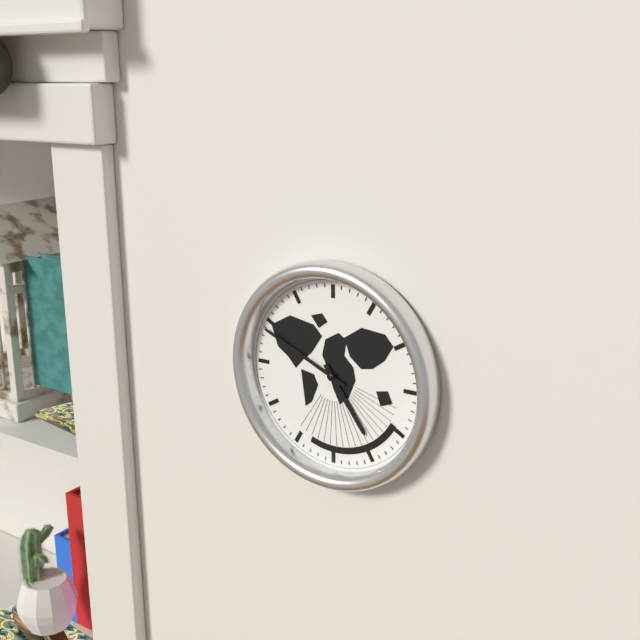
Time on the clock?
4:49
